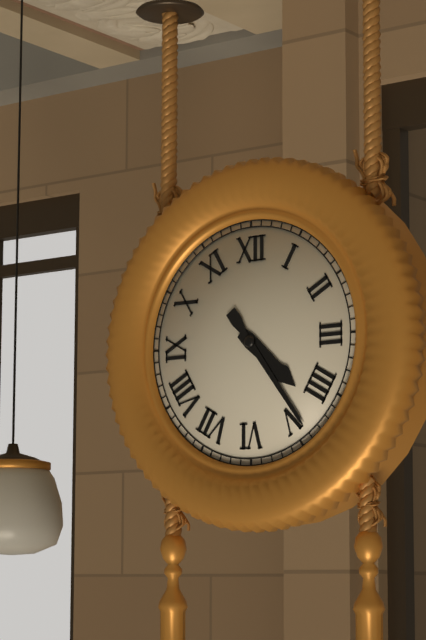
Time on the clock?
4:24
